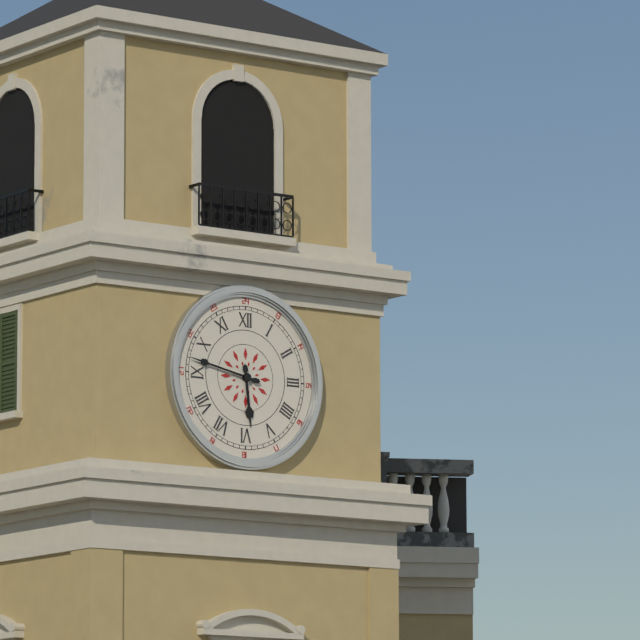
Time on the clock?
5:47
